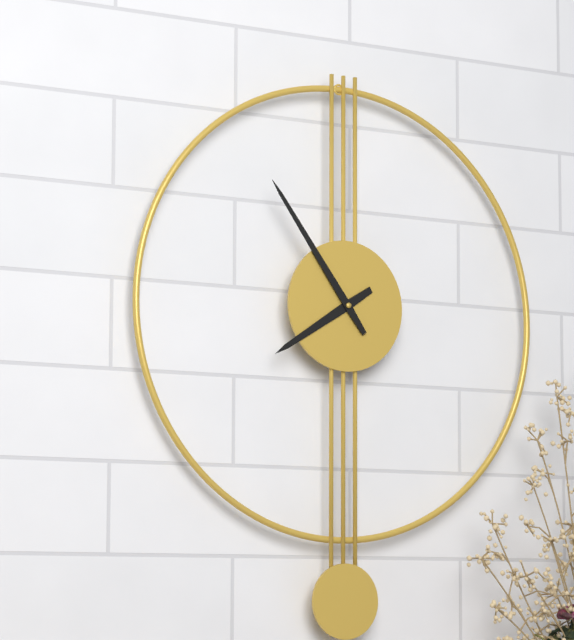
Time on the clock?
7:54
